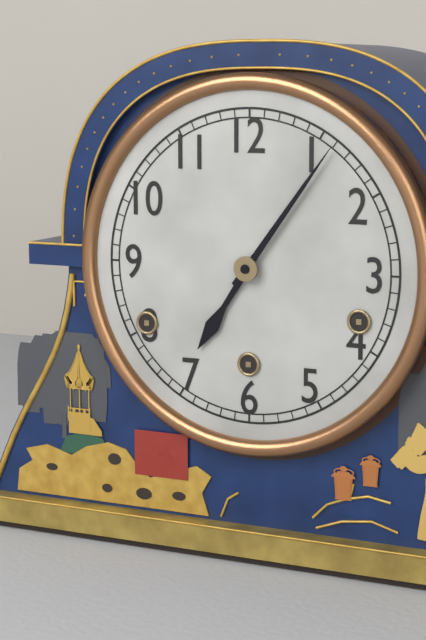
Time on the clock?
7:06
